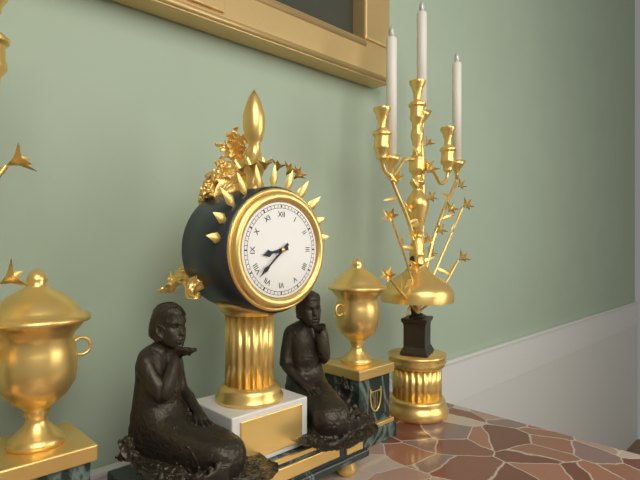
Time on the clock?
8:38
